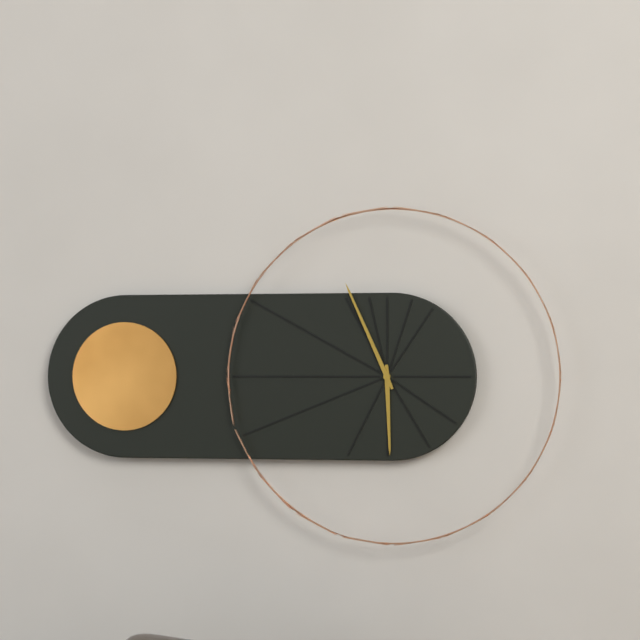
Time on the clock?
5:56
